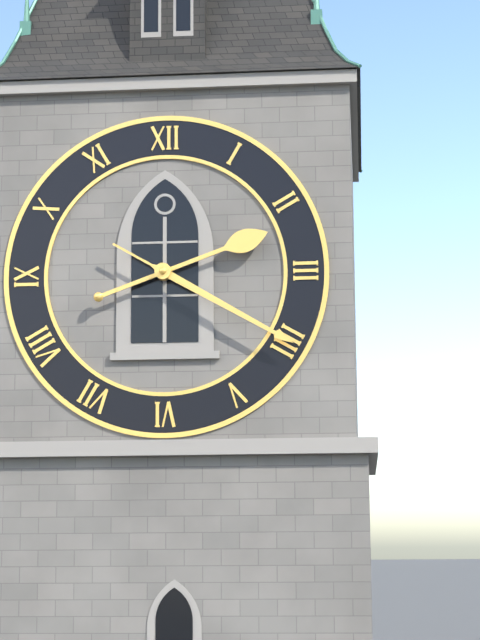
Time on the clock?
2:20
